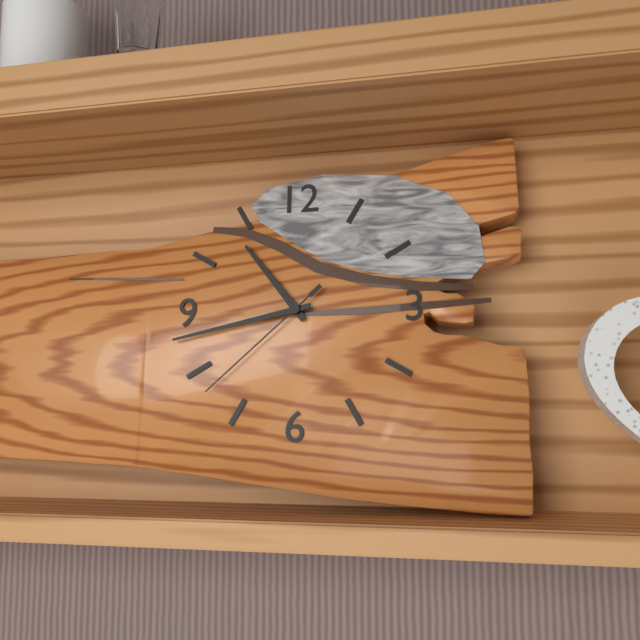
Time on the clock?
10:43:38
